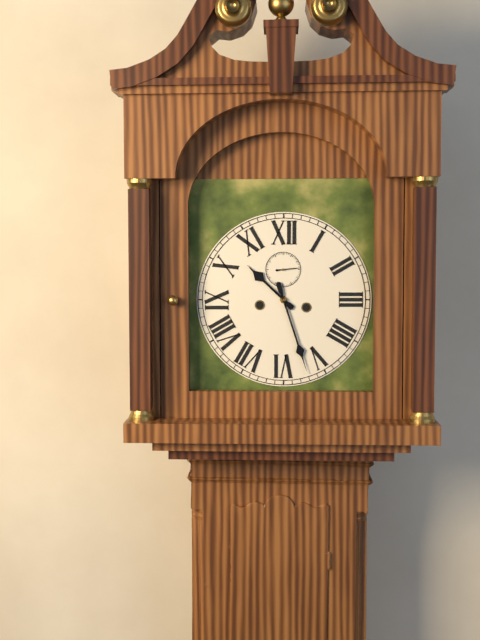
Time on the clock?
10:27
